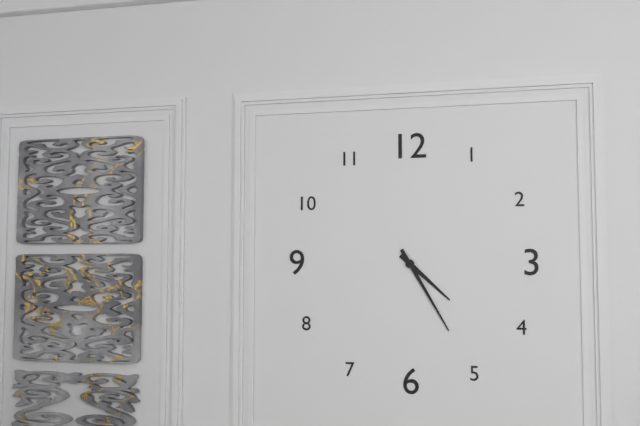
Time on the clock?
4:25
